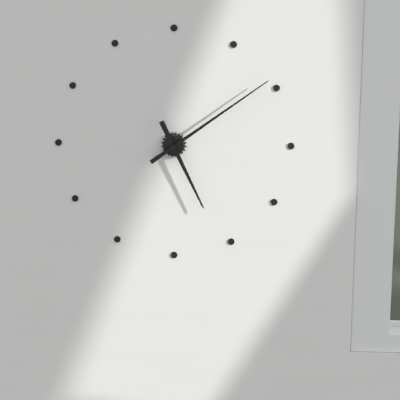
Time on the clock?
5:09
